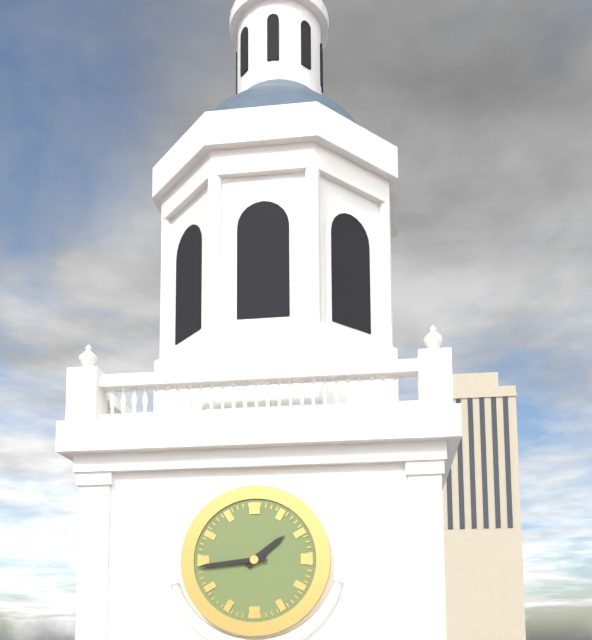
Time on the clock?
1:44
